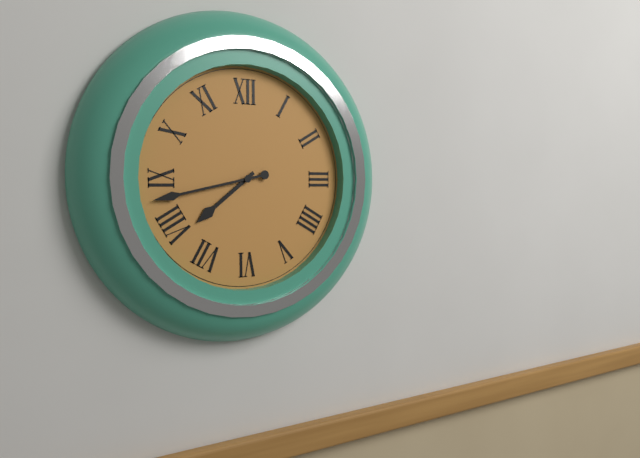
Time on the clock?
7:43
